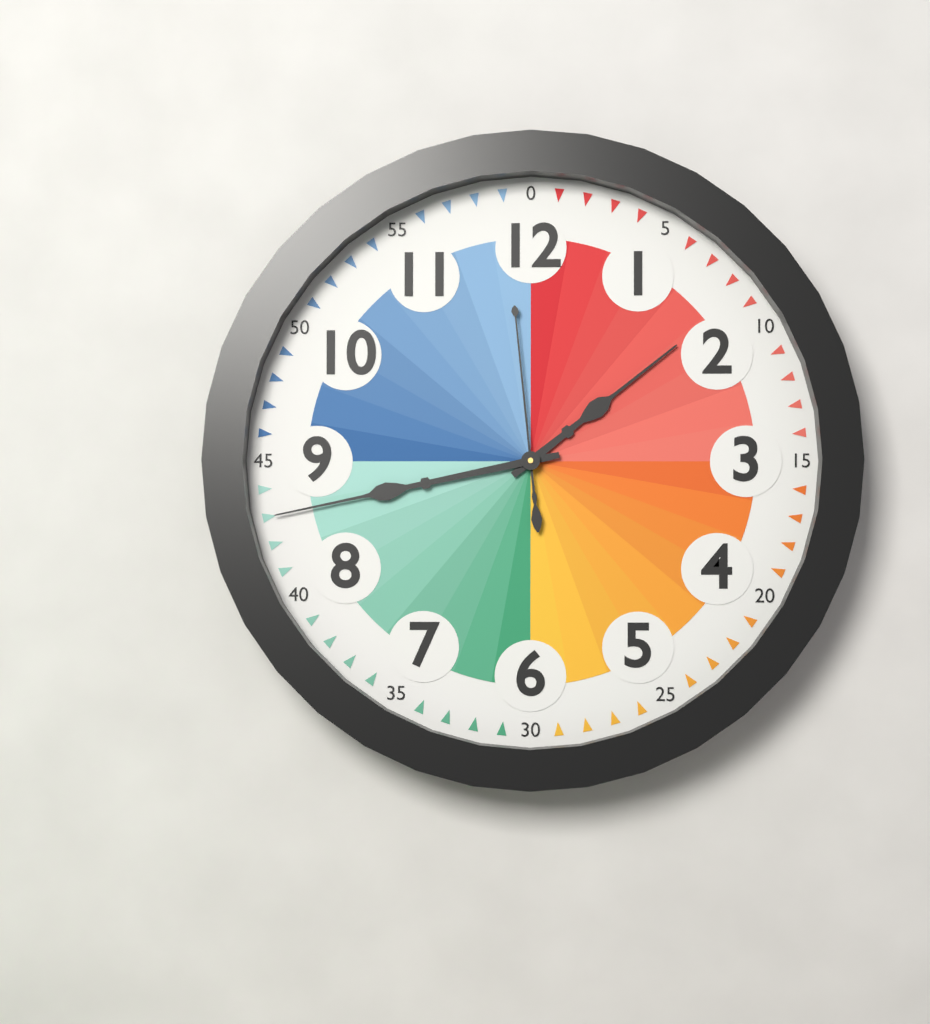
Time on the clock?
1:43:59
